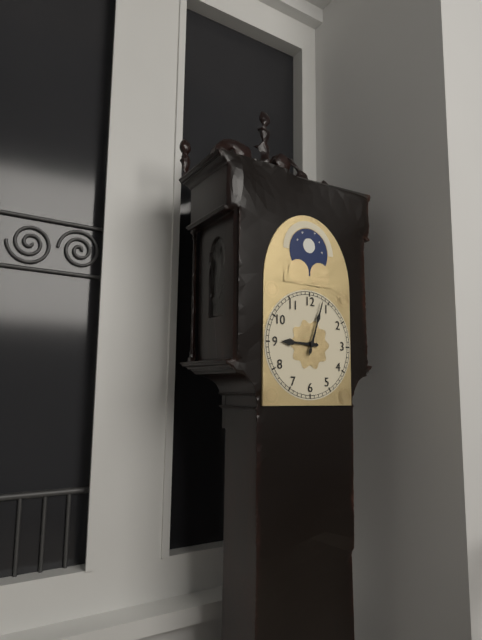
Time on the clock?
9:03
